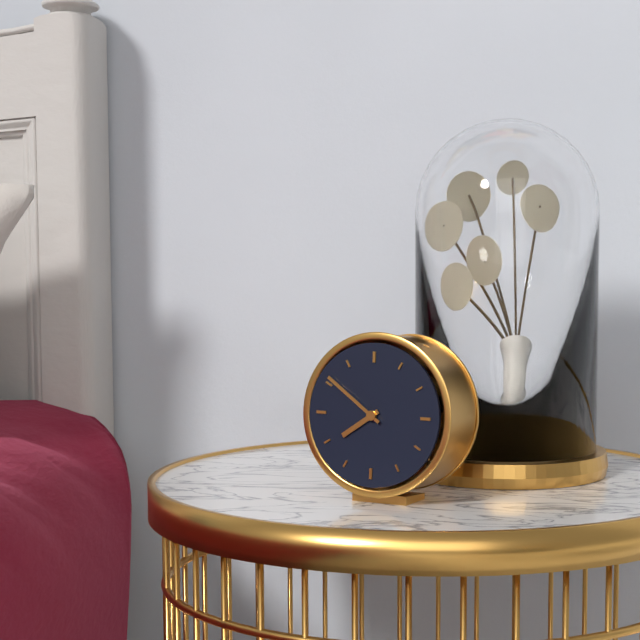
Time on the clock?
7:51
